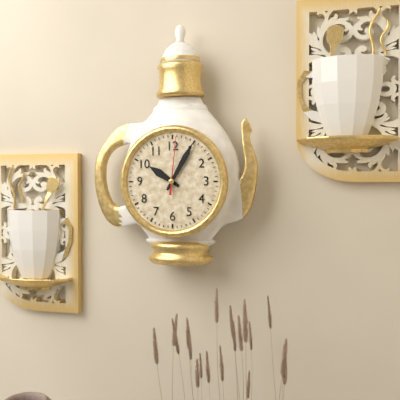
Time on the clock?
10:05:01
